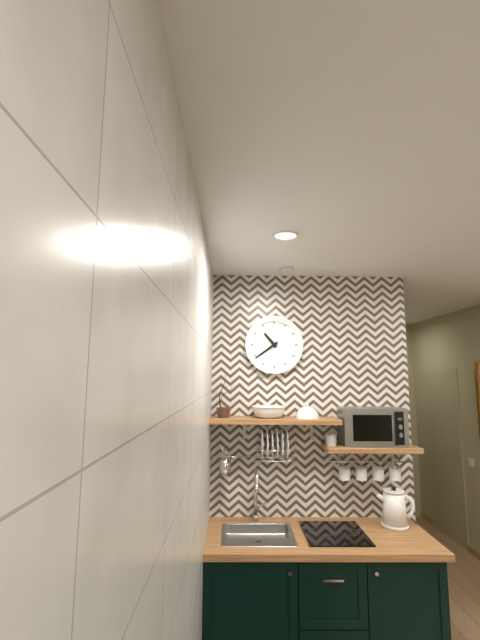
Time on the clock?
10:39
